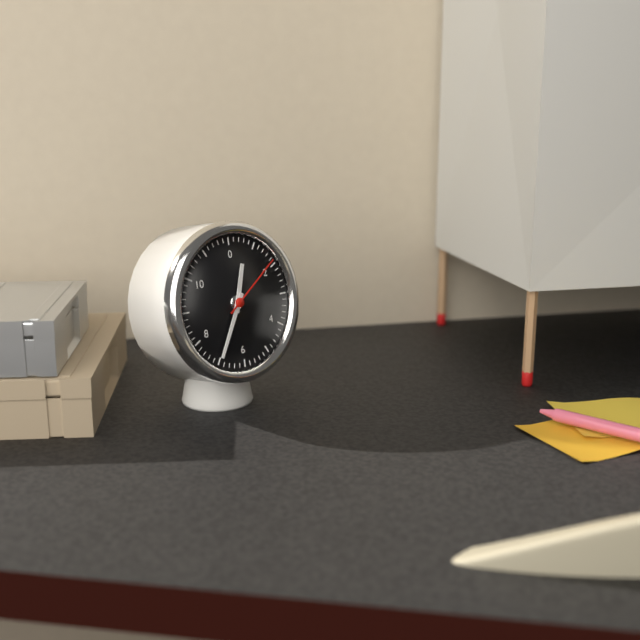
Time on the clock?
12:35:09
